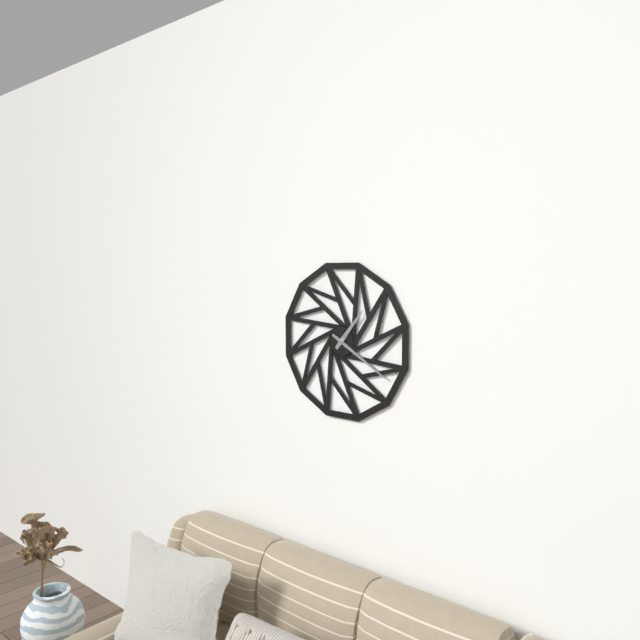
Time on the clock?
1:20
